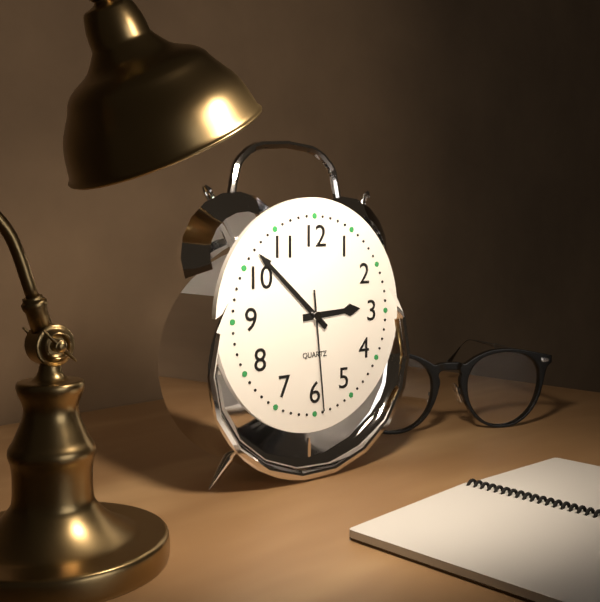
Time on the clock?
2:52:29
